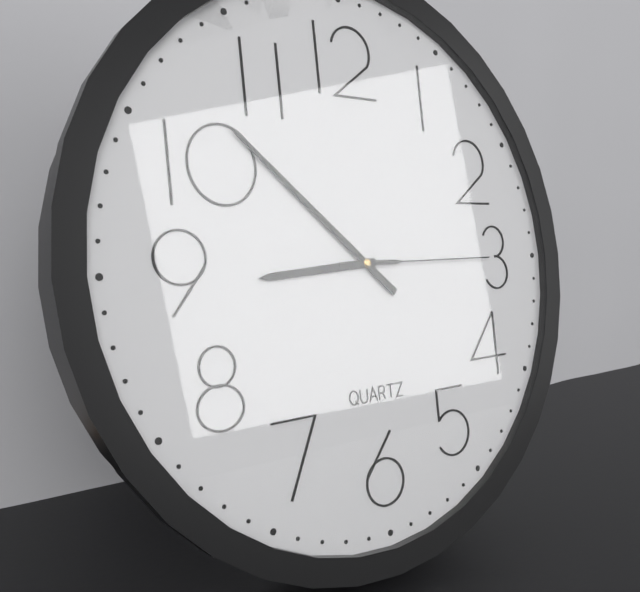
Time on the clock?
8:52:15
